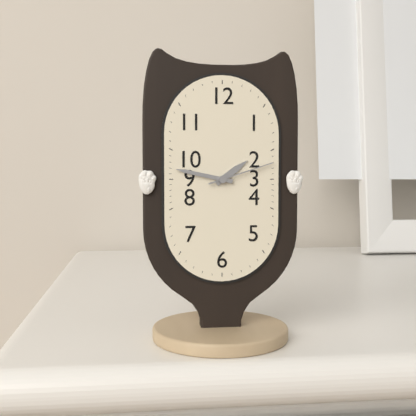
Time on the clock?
1:47:12
